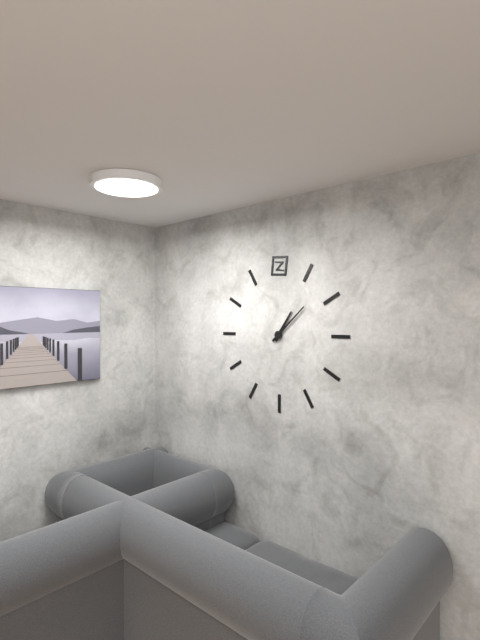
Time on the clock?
1:08
